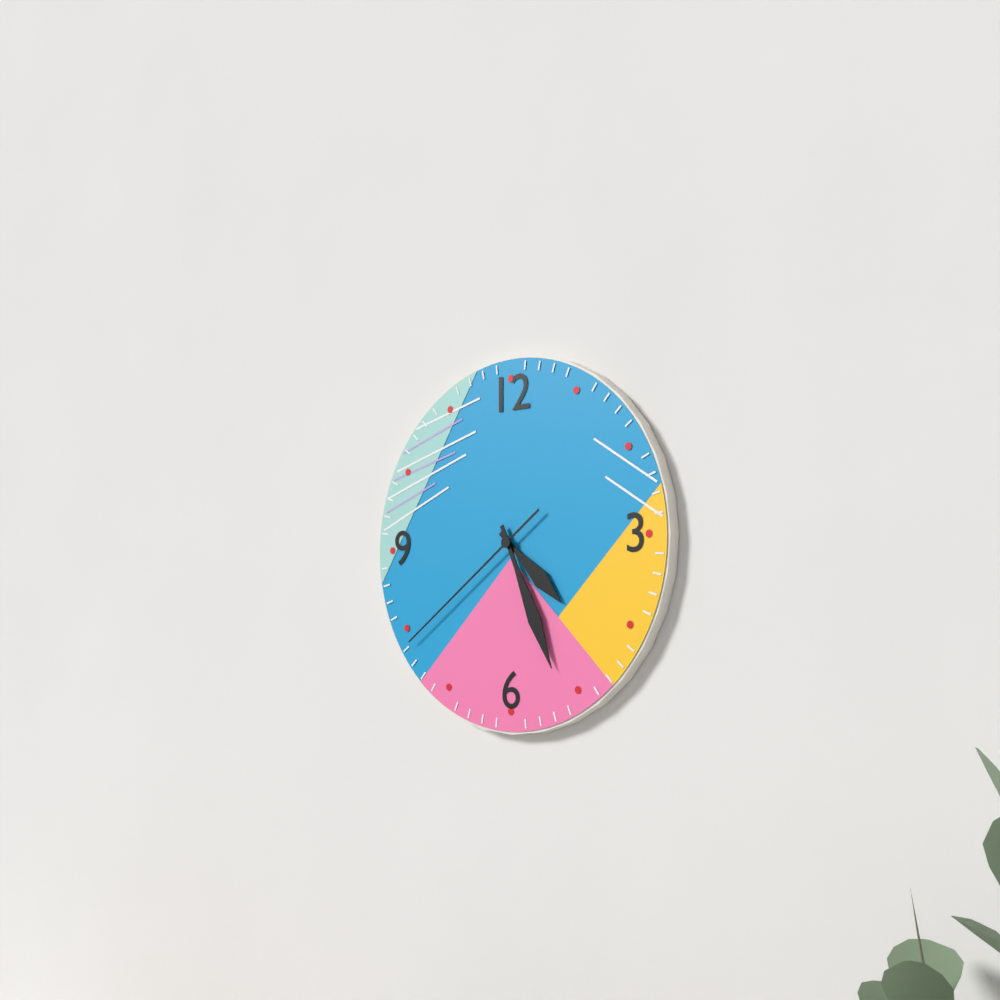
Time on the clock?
4:26:39
